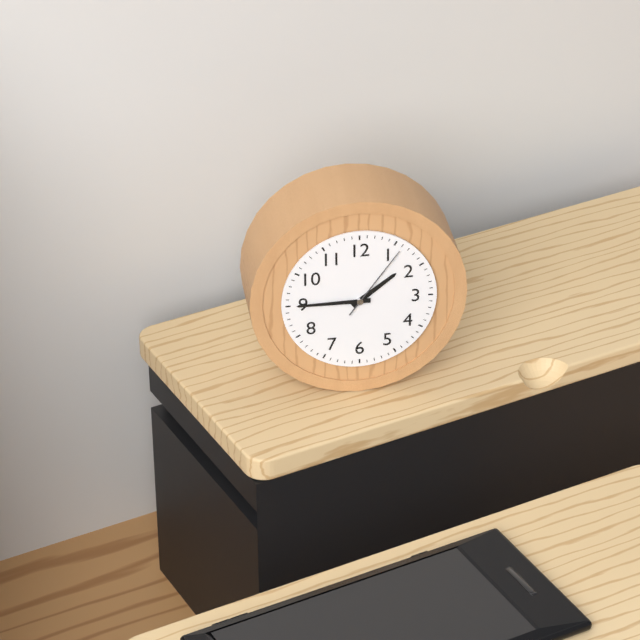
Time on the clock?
1:45:06
